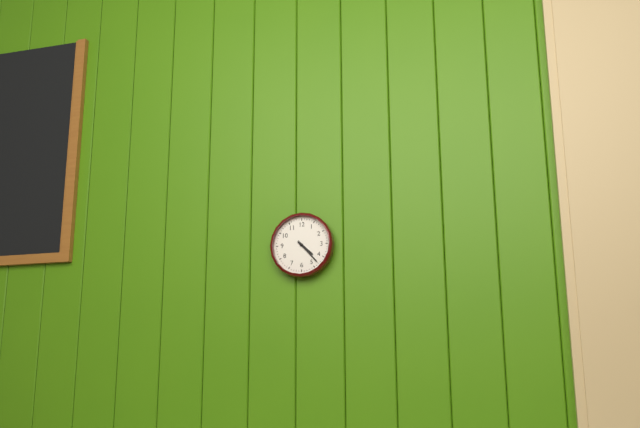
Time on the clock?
4:23
